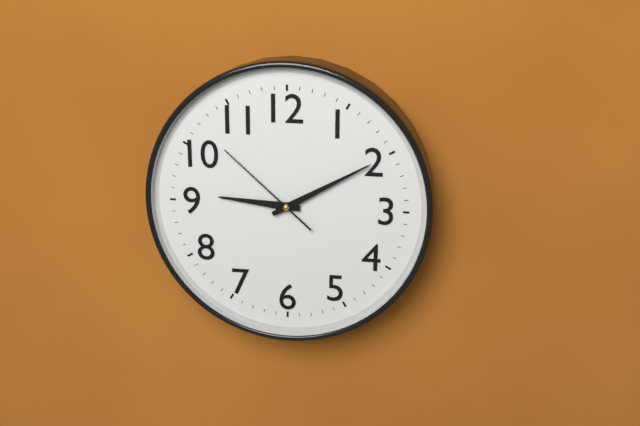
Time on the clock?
9:10:52
